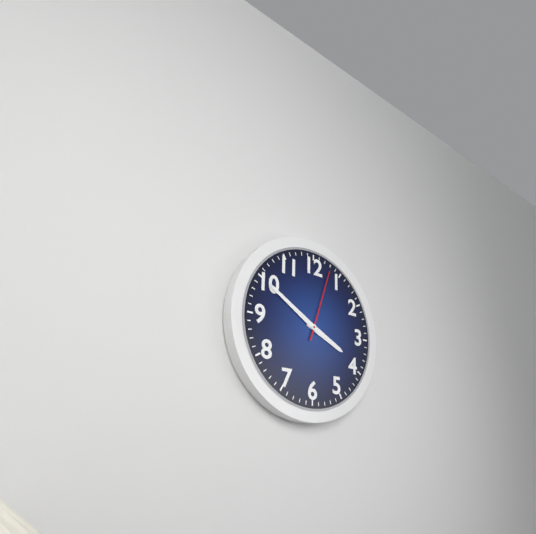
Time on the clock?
3:50:03
